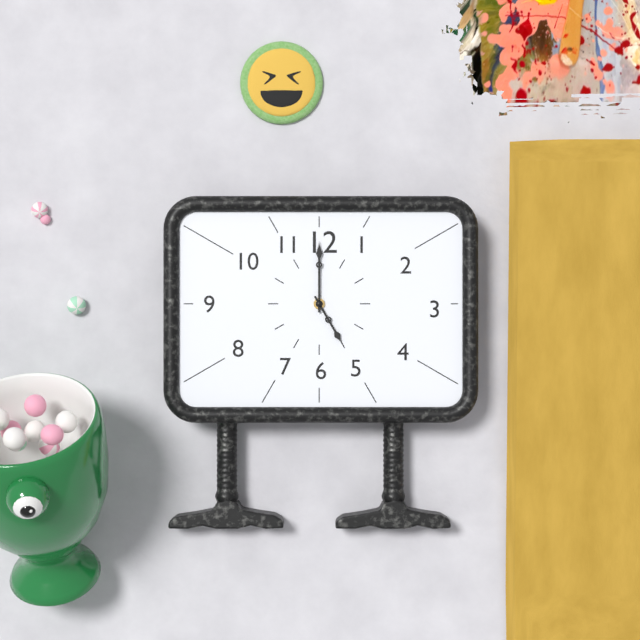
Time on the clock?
5:00
